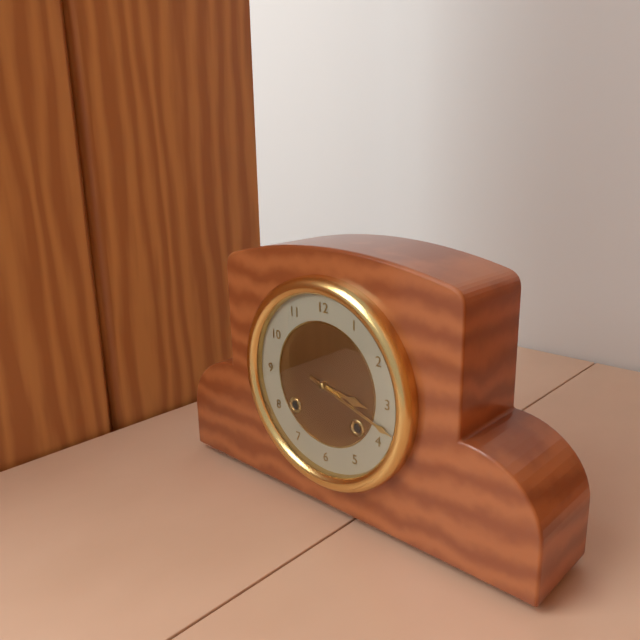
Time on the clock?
3:18
